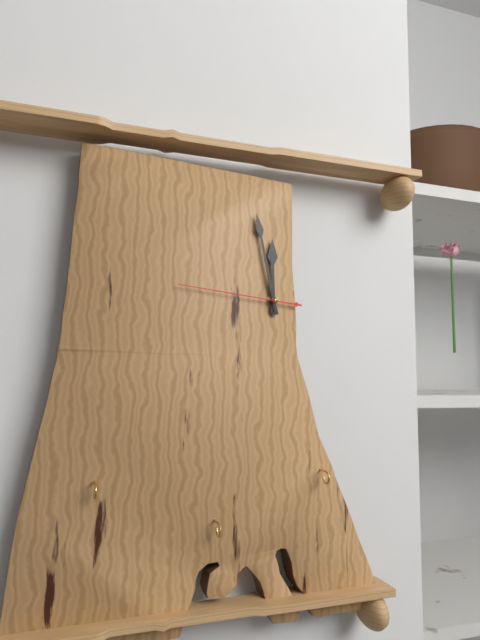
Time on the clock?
11:58:46
